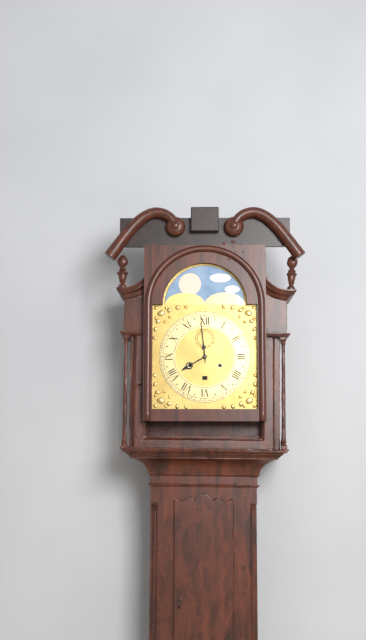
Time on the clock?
7:59
